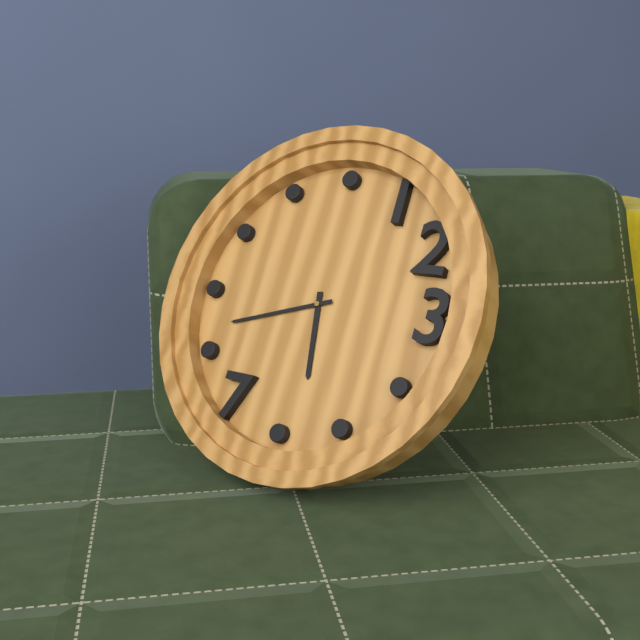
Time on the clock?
5:42
